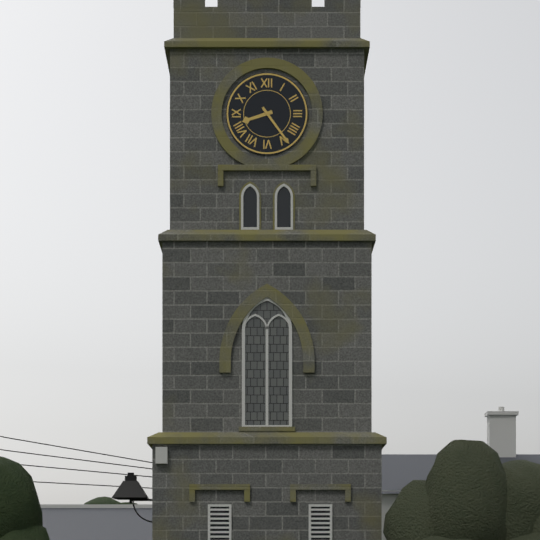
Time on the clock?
8:24
